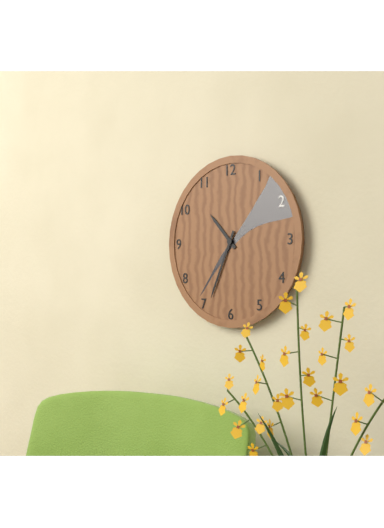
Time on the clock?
10:34
